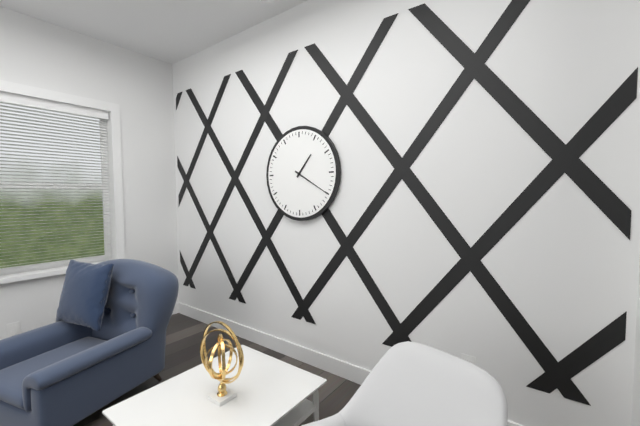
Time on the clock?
1:20
